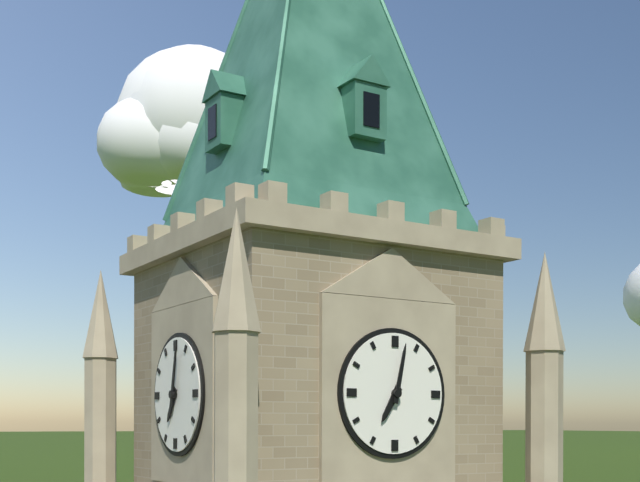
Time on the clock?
7:02
